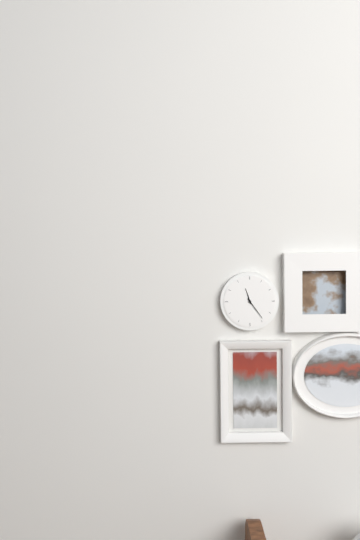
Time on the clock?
11:24
